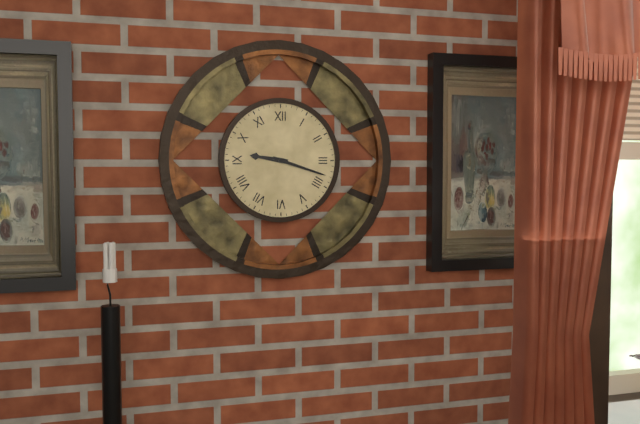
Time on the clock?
9:18
